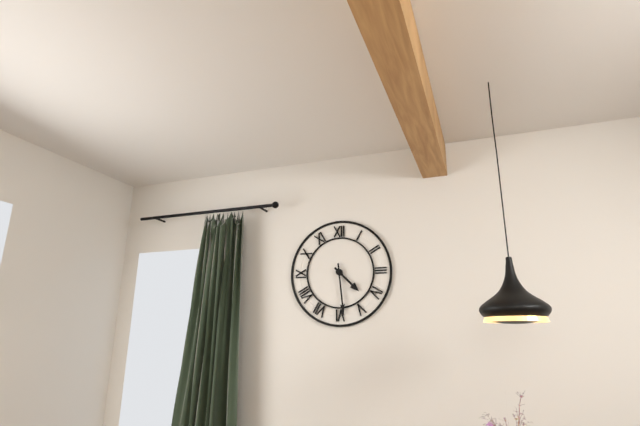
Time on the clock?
4:29
